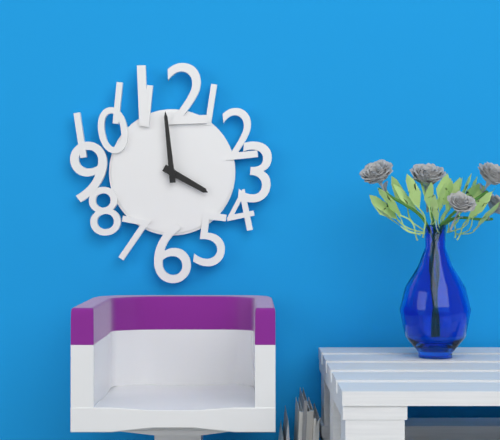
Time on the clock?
3:59
